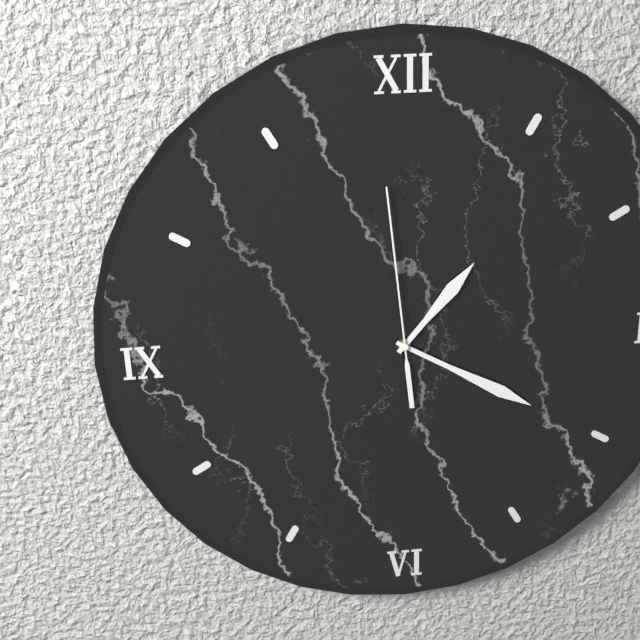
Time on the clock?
1:20:59
